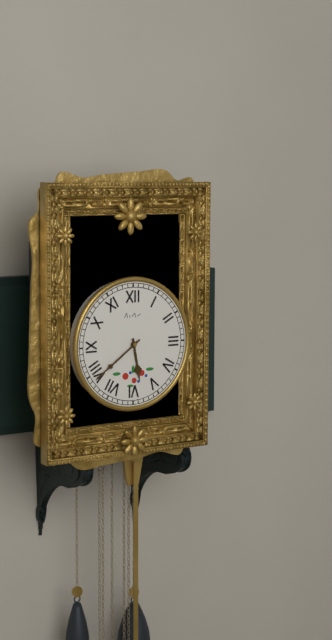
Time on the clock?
5:39
